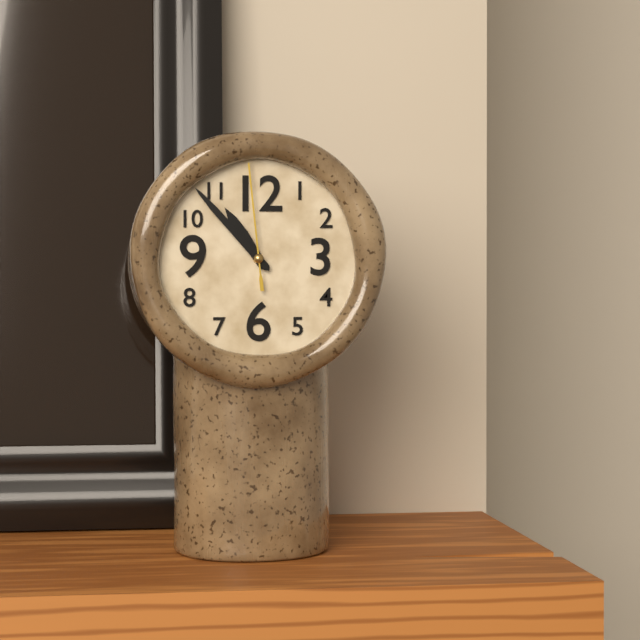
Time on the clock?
10:53:59
